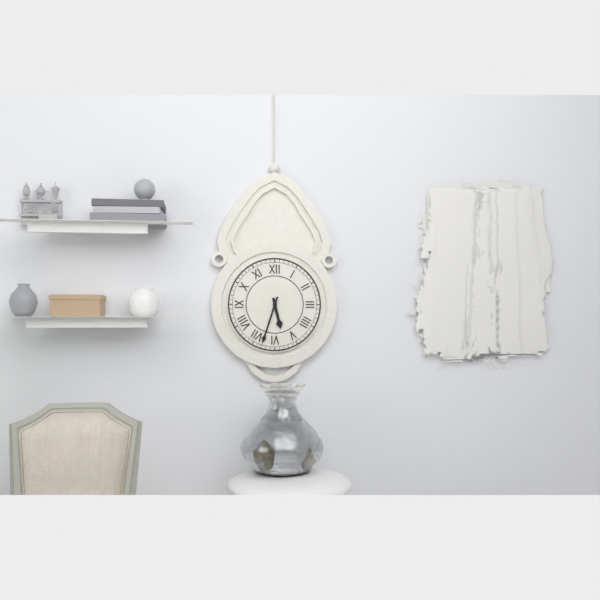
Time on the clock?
5:33
